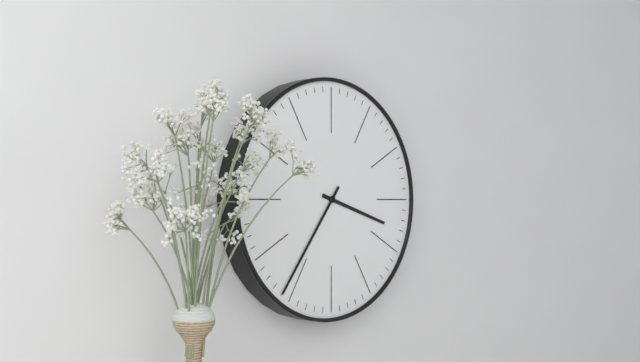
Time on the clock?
3:36
